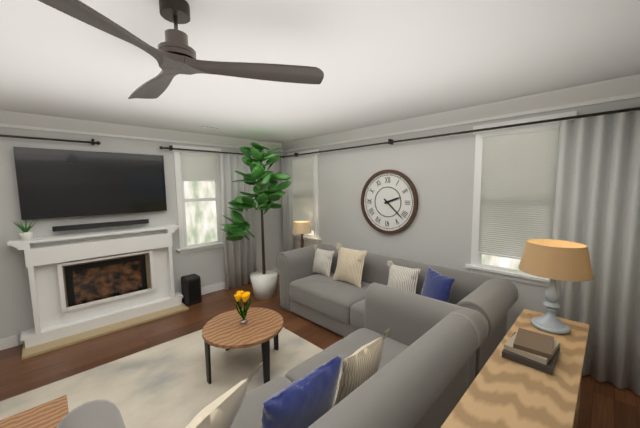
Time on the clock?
2:22
